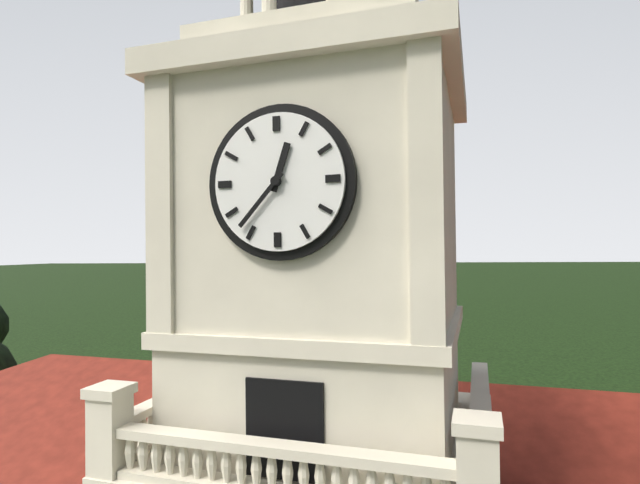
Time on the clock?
12:37
